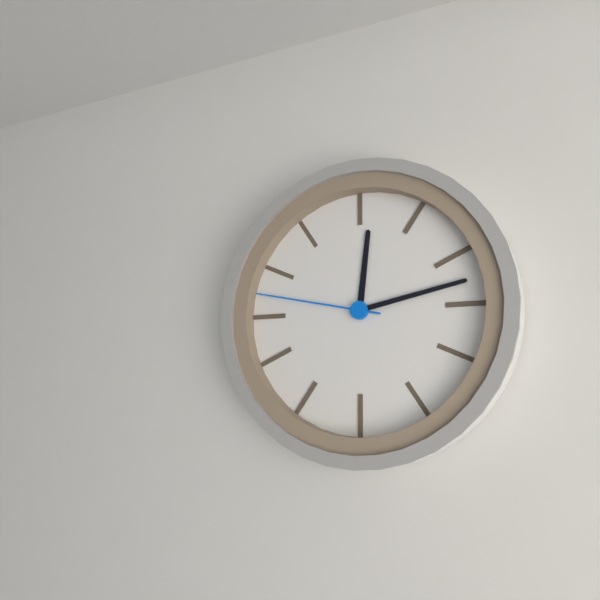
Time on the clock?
12:13:47
